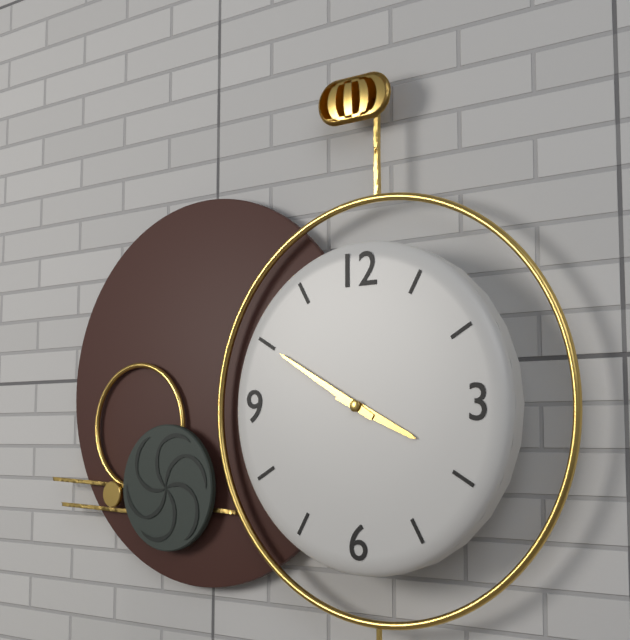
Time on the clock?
3:50
